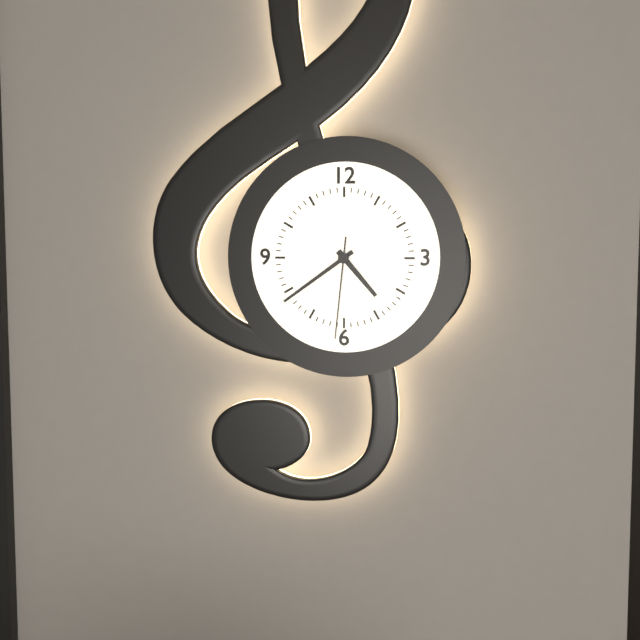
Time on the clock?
4:39:31
